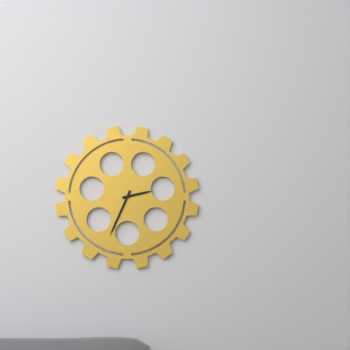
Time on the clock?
2:34
